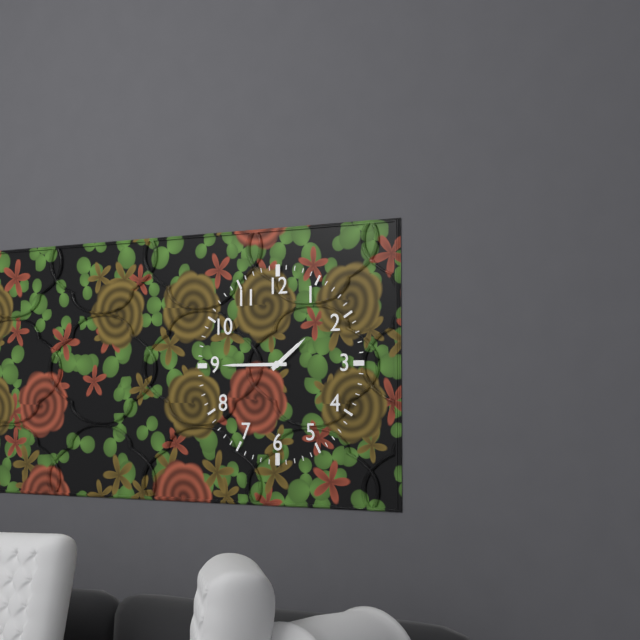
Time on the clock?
1:45
